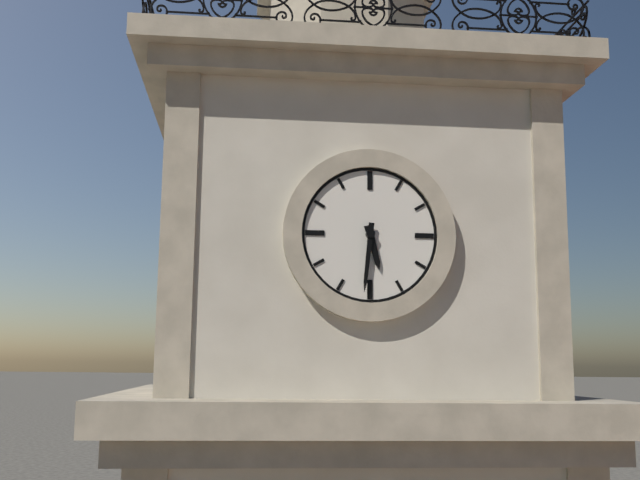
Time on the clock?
5:31
